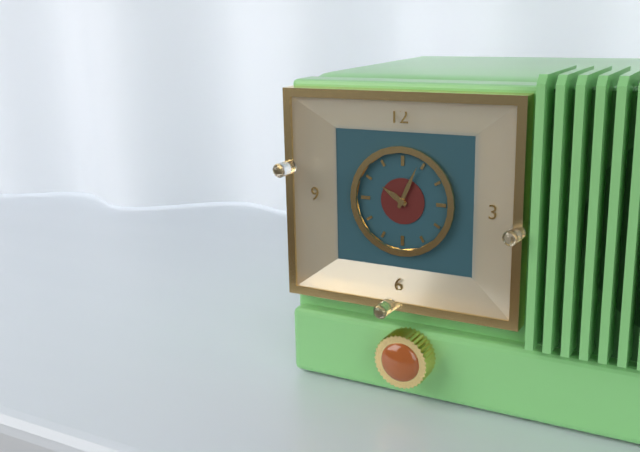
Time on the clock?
10:04
